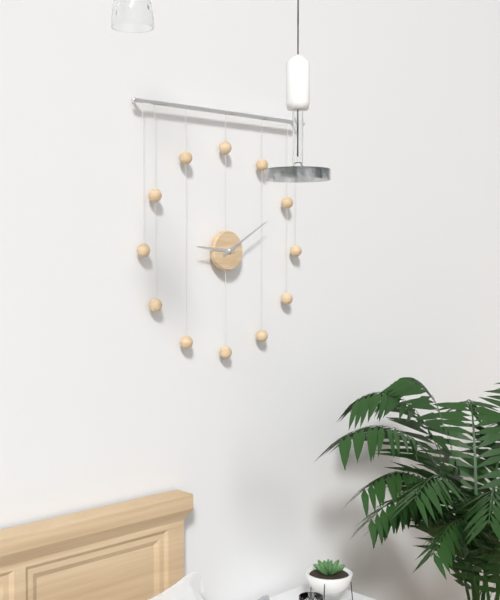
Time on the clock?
9:10
